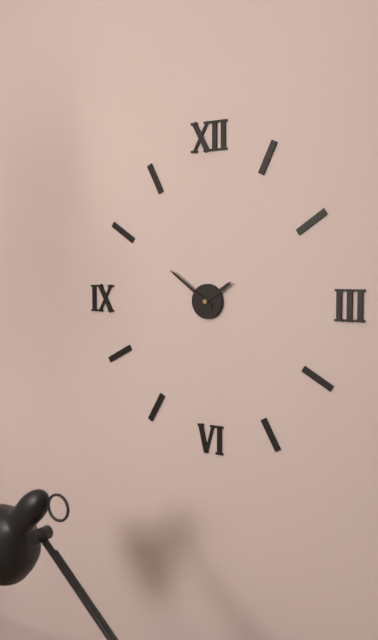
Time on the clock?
1:51
